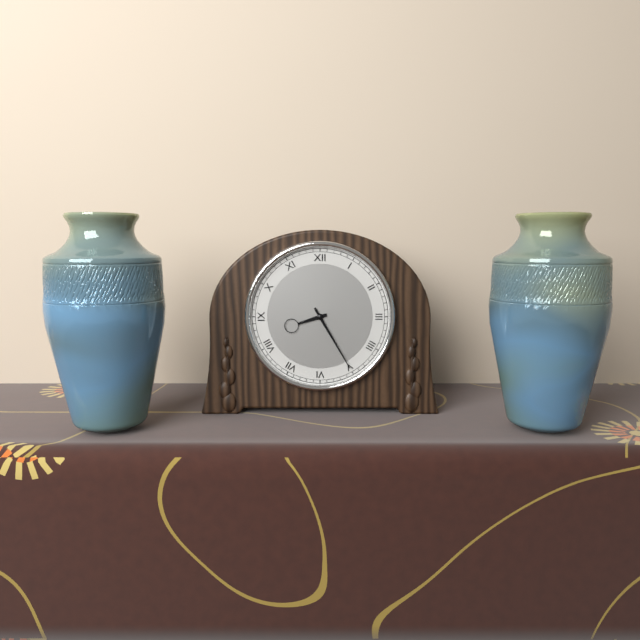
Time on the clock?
8:25
